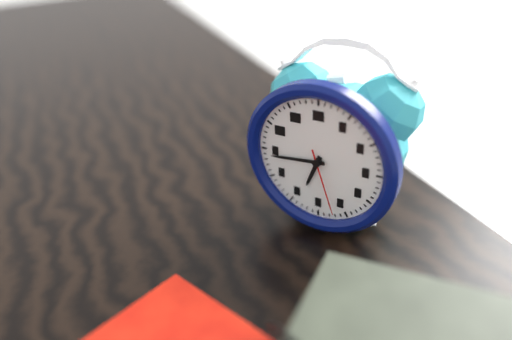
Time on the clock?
6:44:27
